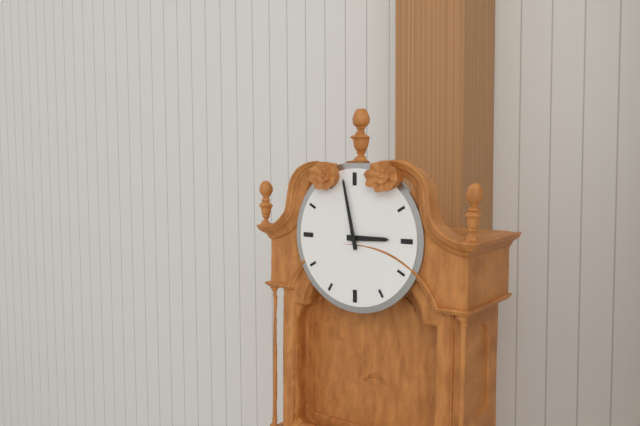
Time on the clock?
2:58
